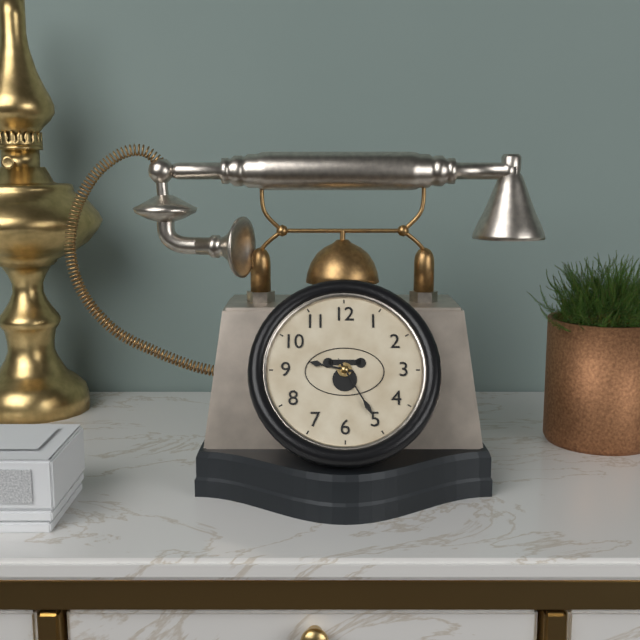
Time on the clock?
9:25
